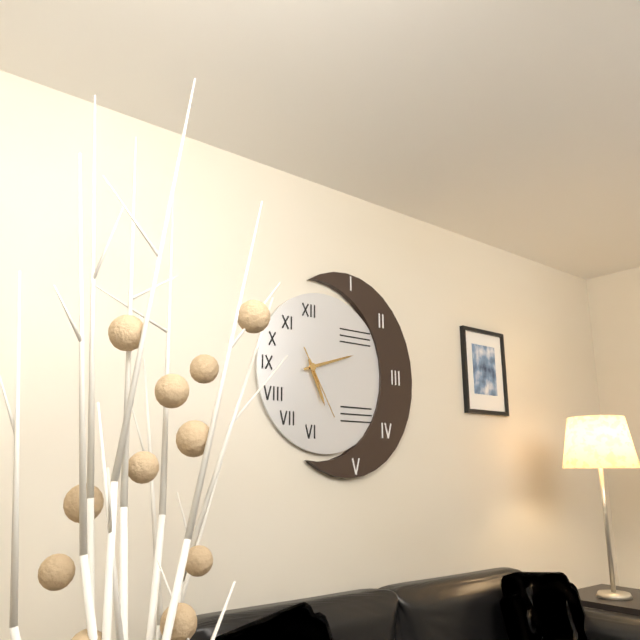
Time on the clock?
5:12:25
